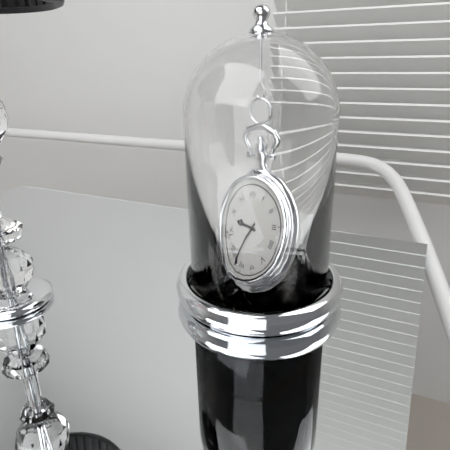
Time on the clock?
9:38
